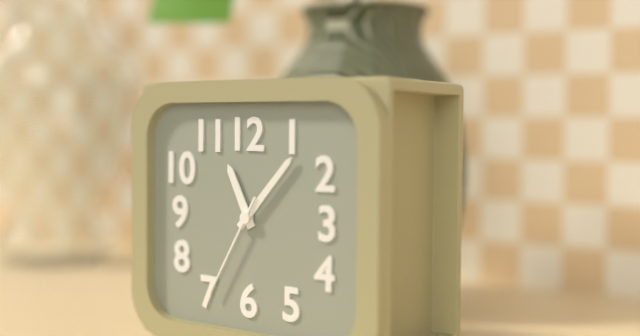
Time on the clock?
11:07:35
